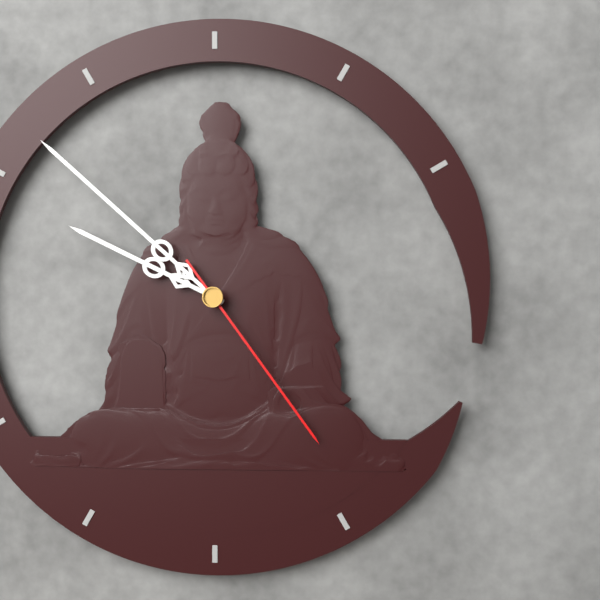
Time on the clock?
9:52:24
